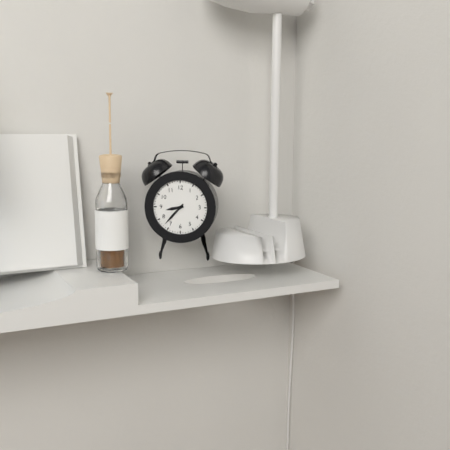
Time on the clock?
8:37
